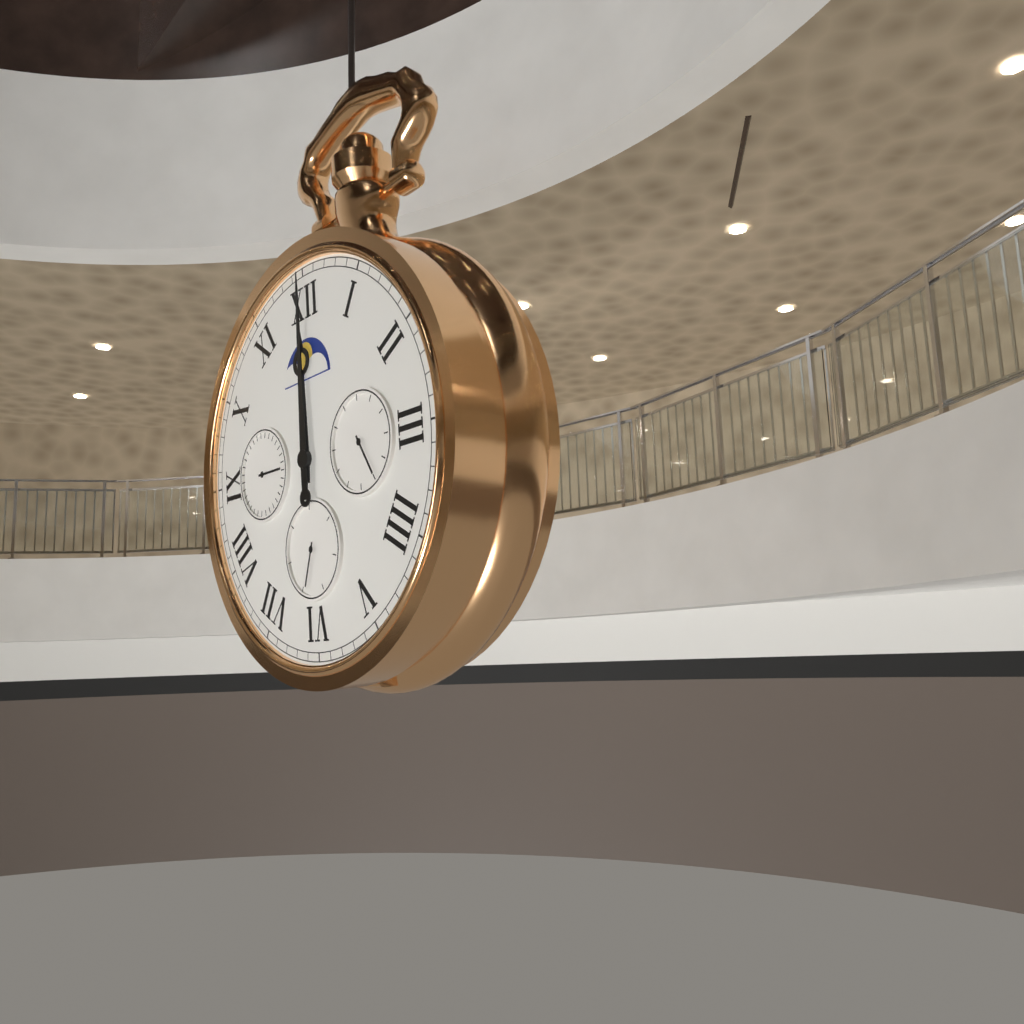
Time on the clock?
12:00
